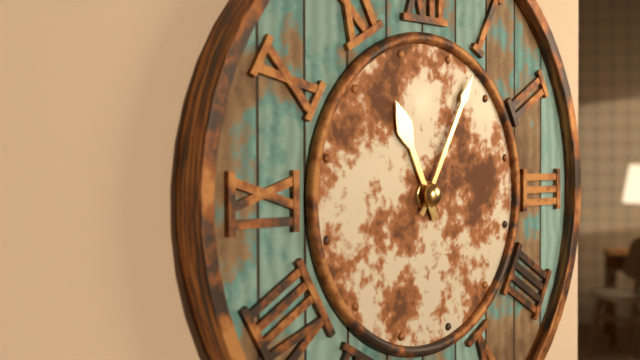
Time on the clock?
11:05
